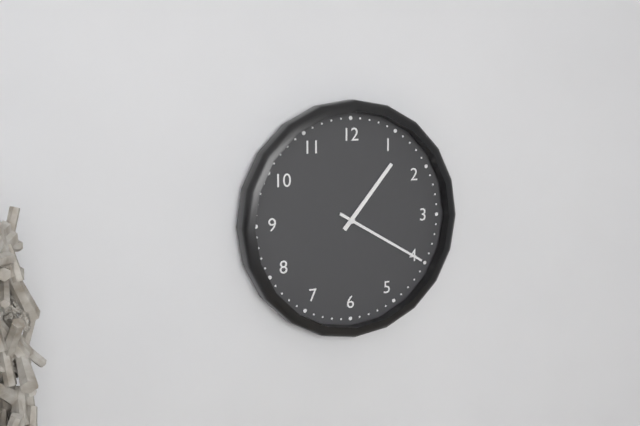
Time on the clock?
1:20
